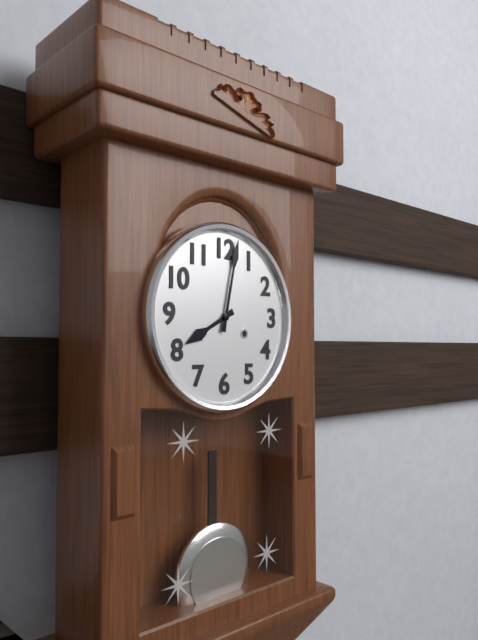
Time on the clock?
8:02
